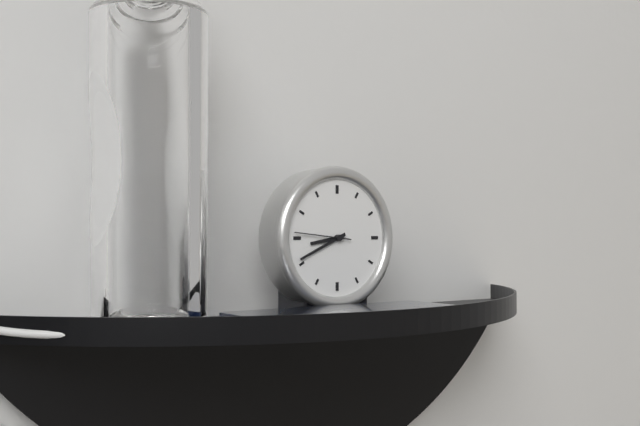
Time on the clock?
8:41:46
